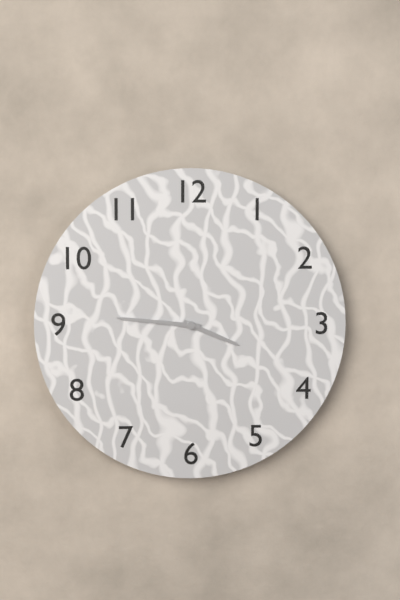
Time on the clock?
3:46
